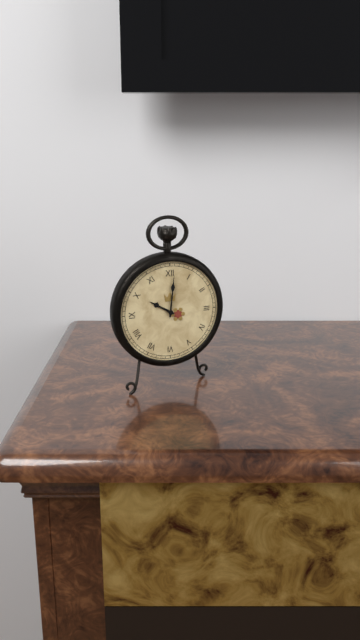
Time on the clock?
10:01
